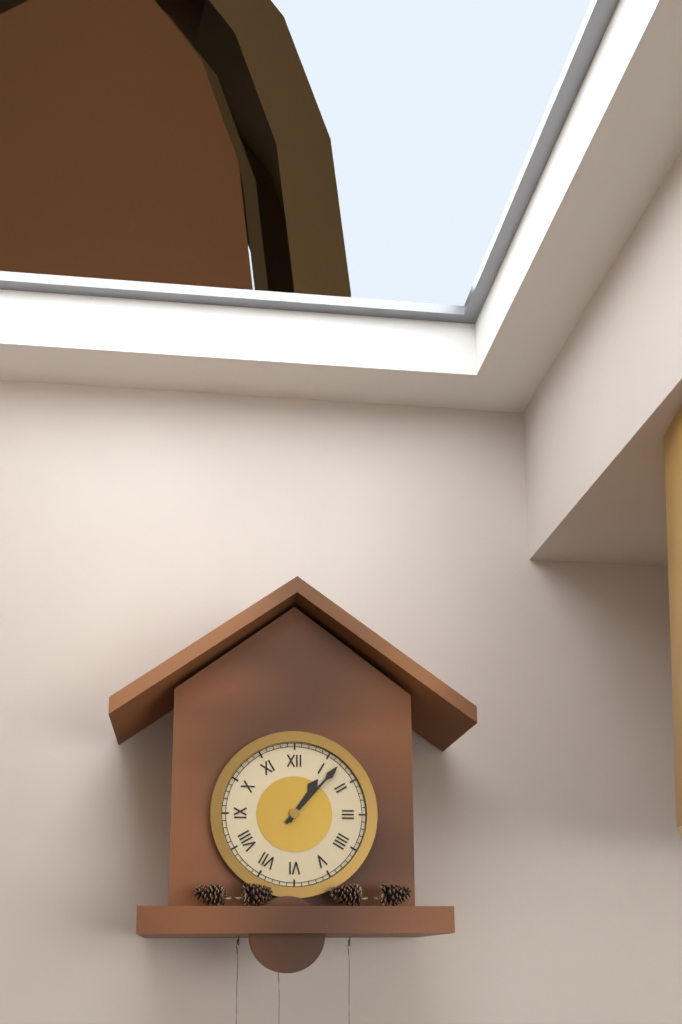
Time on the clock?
1:07
